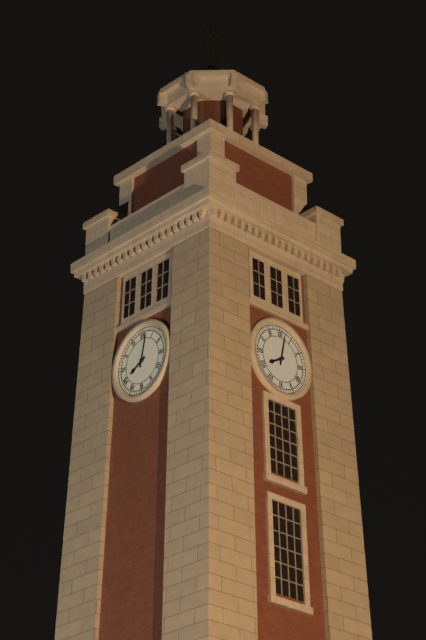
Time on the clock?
8:02
